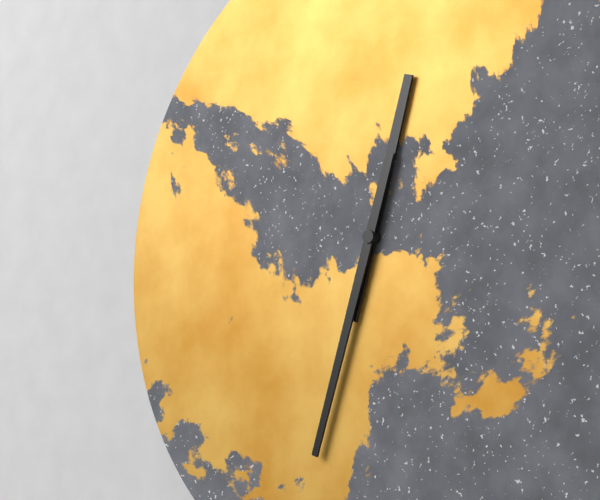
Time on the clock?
12:33
